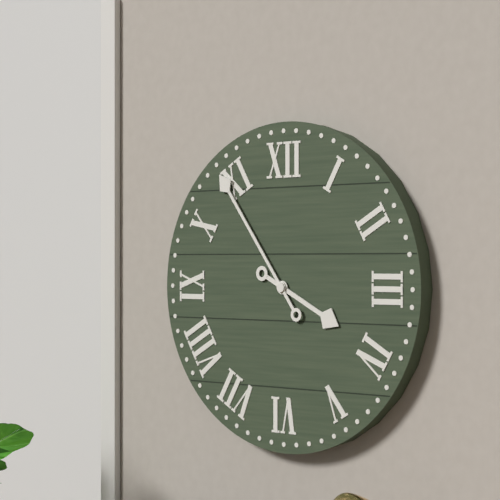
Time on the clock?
3:54
